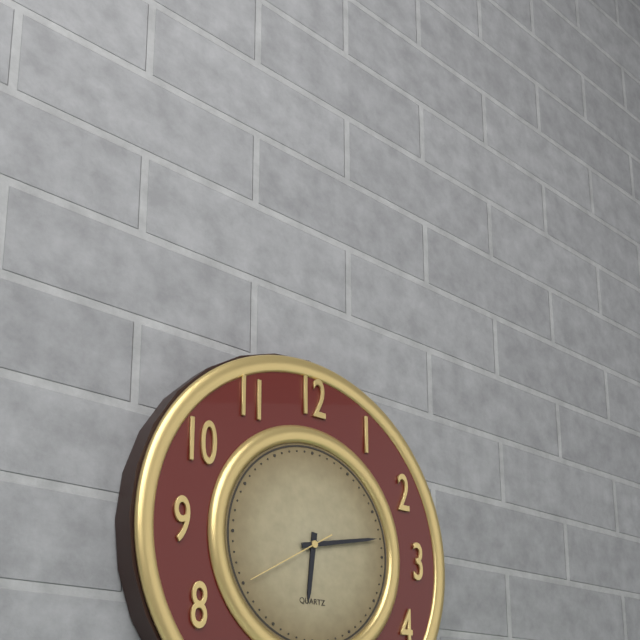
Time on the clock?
6:13:40
